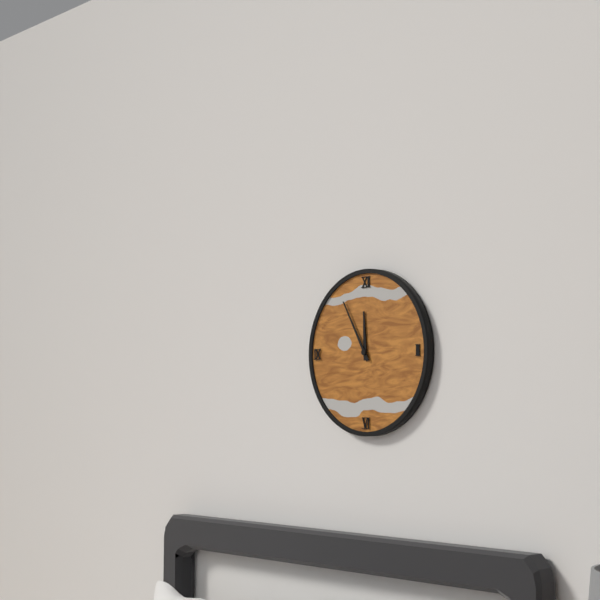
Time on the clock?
11:55
